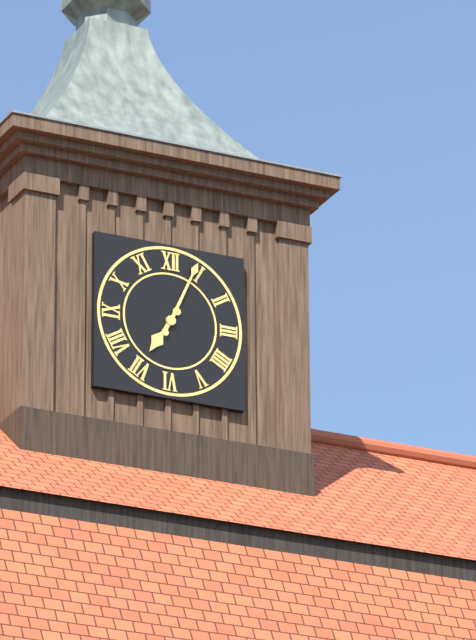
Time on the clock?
7:04
